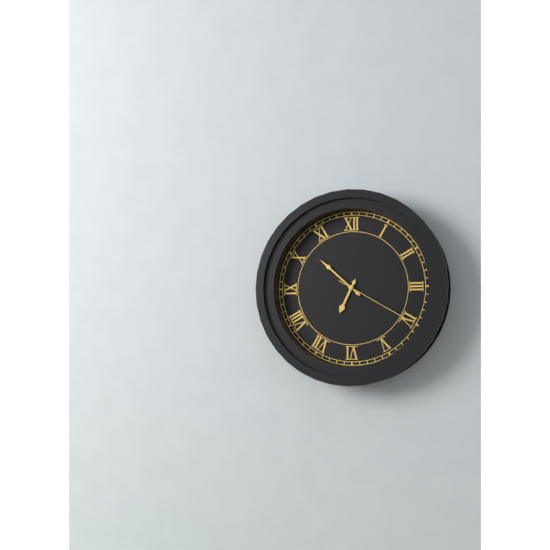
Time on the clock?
6:52:20
